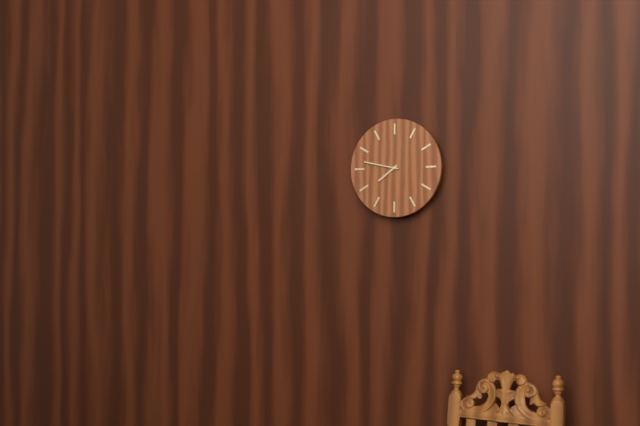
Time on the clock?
7:47
